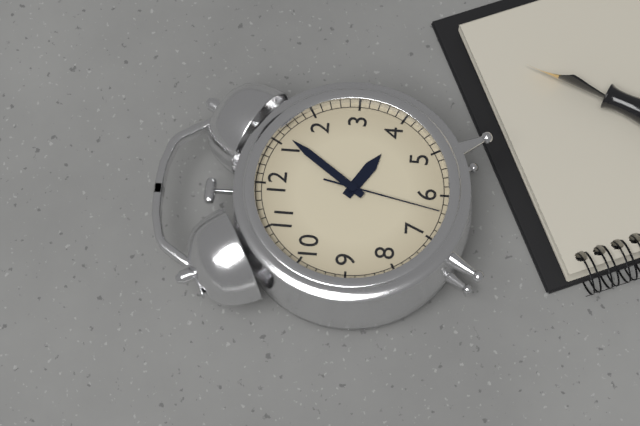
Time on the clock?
4:06:32
